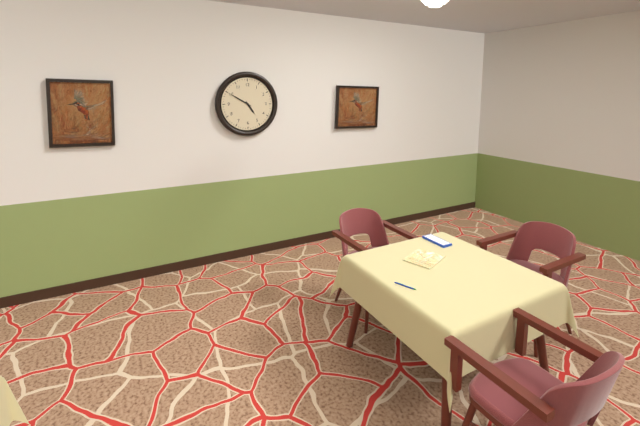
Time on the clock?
4:50
